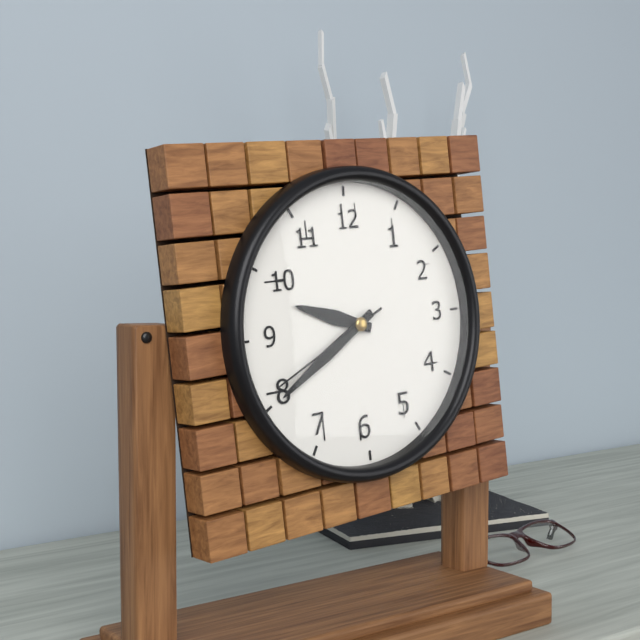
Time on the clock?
9:40:41
